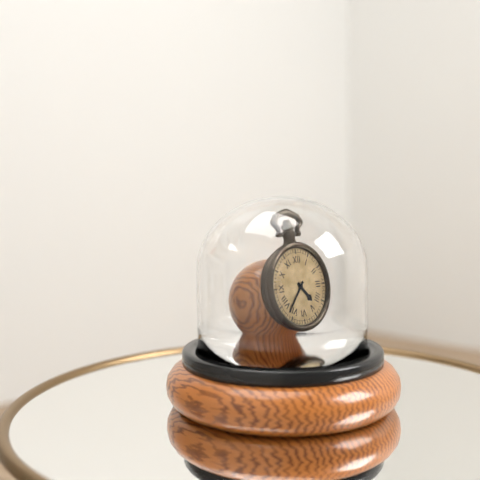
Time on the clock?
4:37
